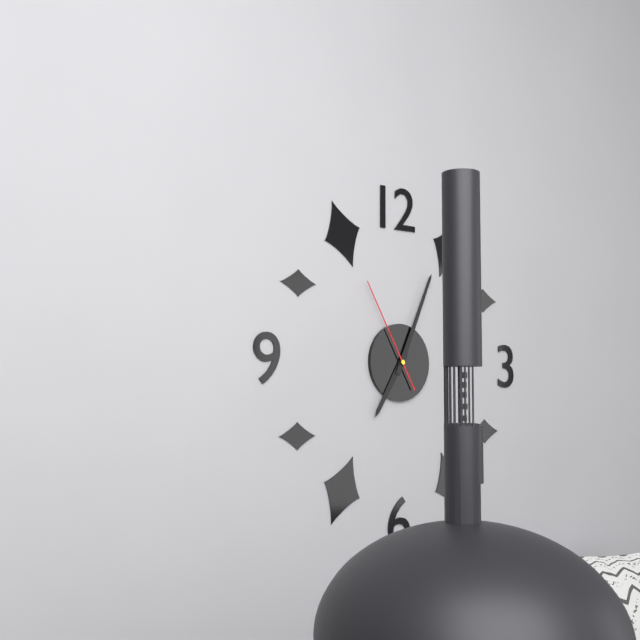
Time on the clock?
7:04:55
